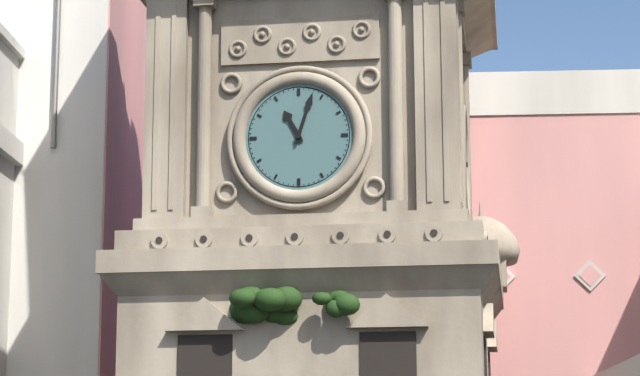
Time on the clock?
11:03
